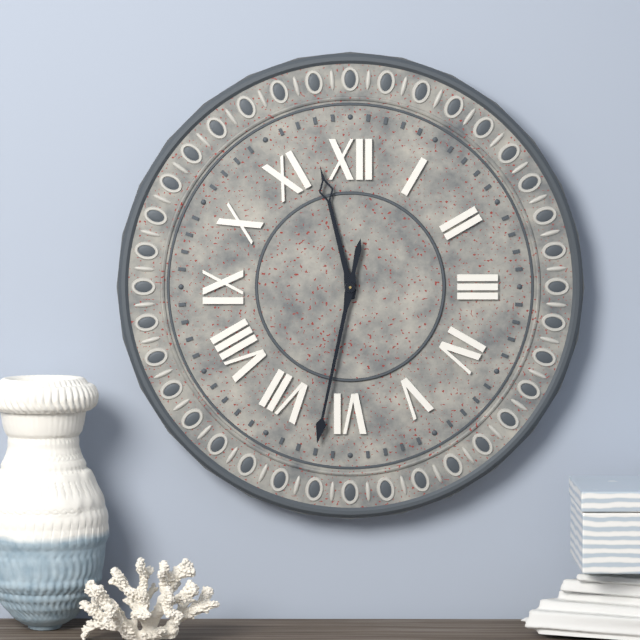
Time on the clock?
11:32
